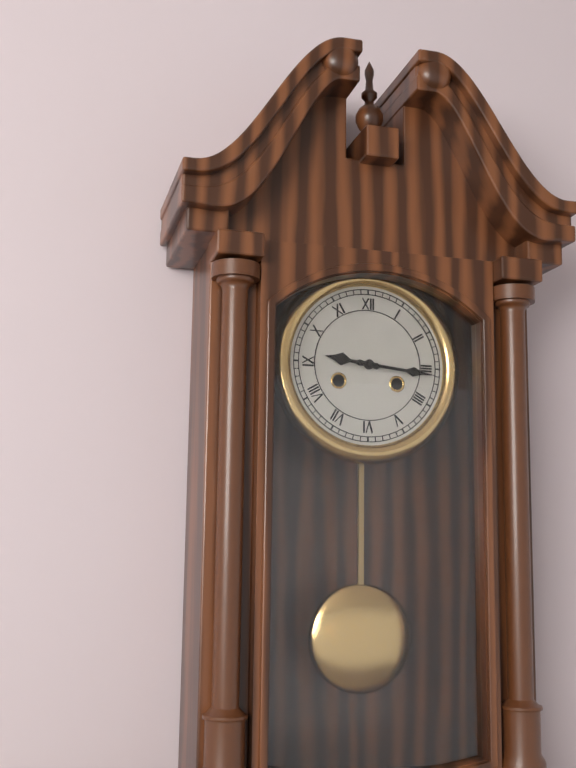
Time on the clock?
9:16
